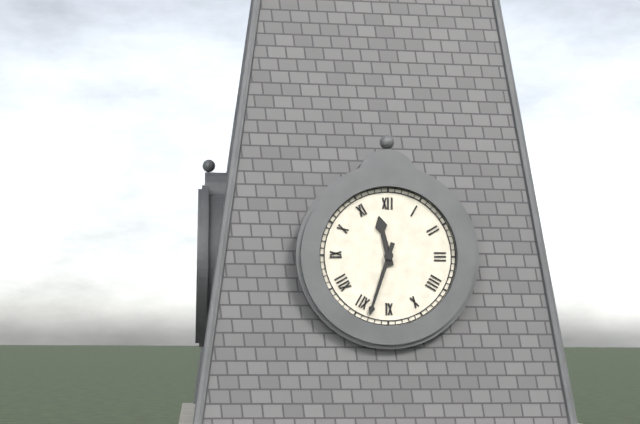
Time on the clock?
11:33
